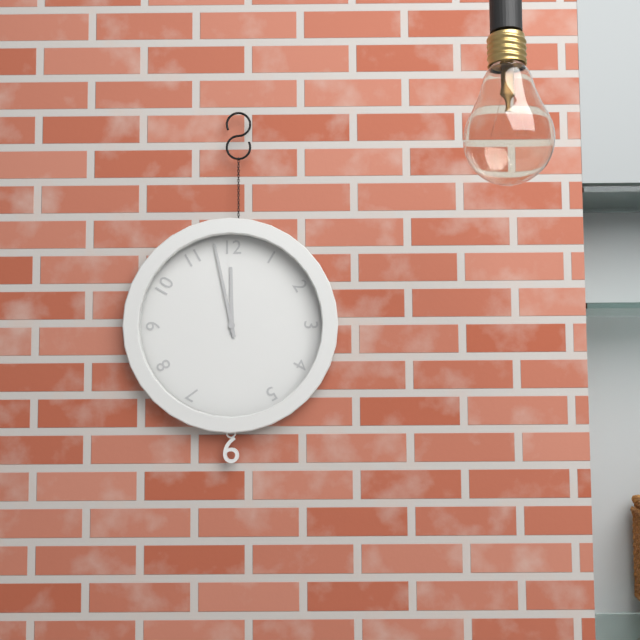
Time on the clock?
11:58
